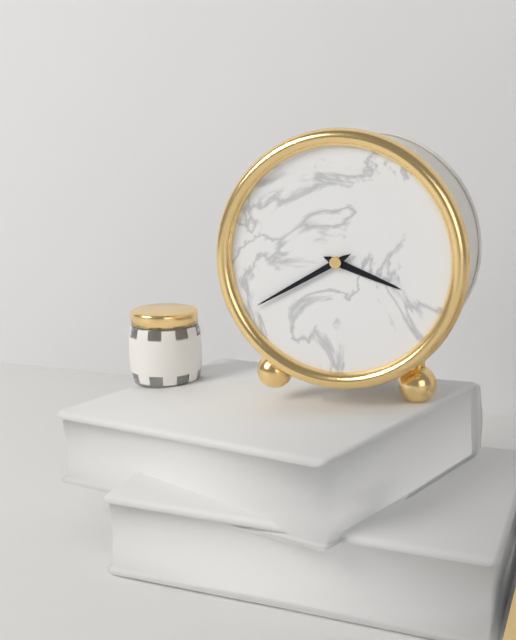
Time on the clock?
3:40
